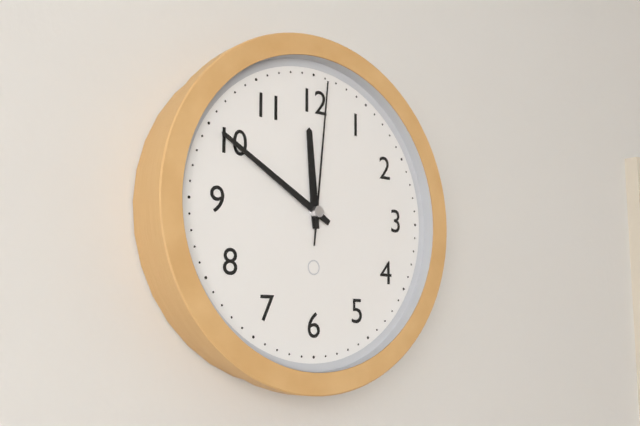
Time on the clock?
11:50:01
